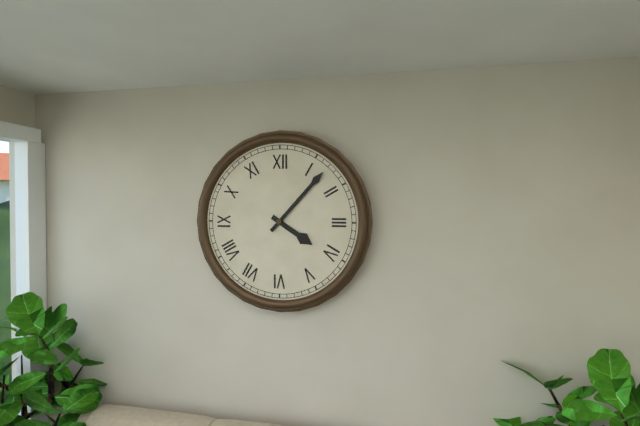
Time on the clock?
4:07
